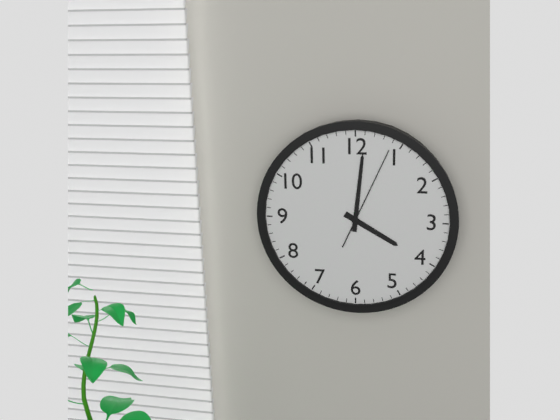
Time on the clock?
4:01:04
